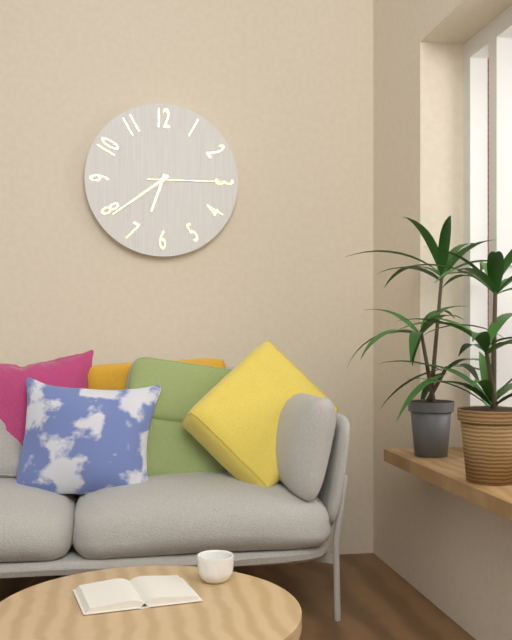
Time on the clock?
6:39:15
